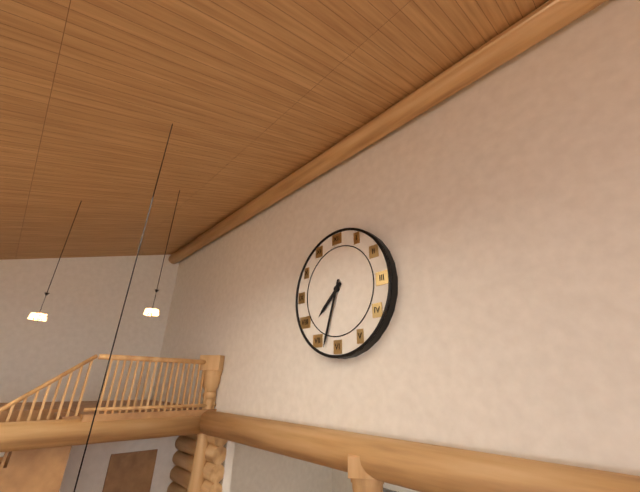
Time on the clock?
7:33
